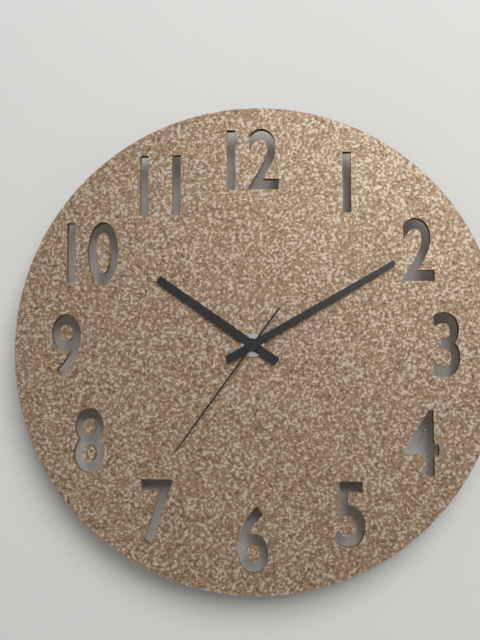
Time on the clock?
10:10:36
